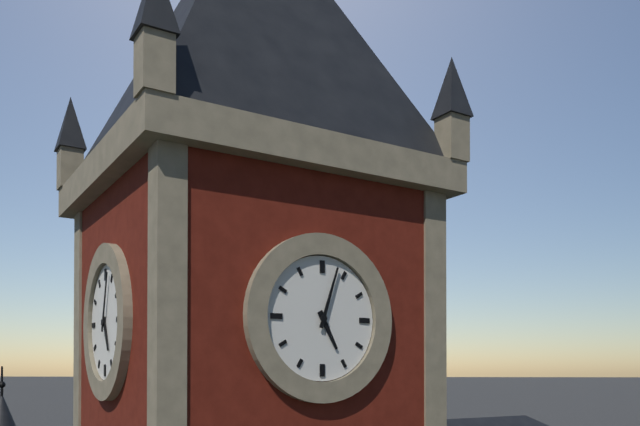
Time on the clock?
5:03
